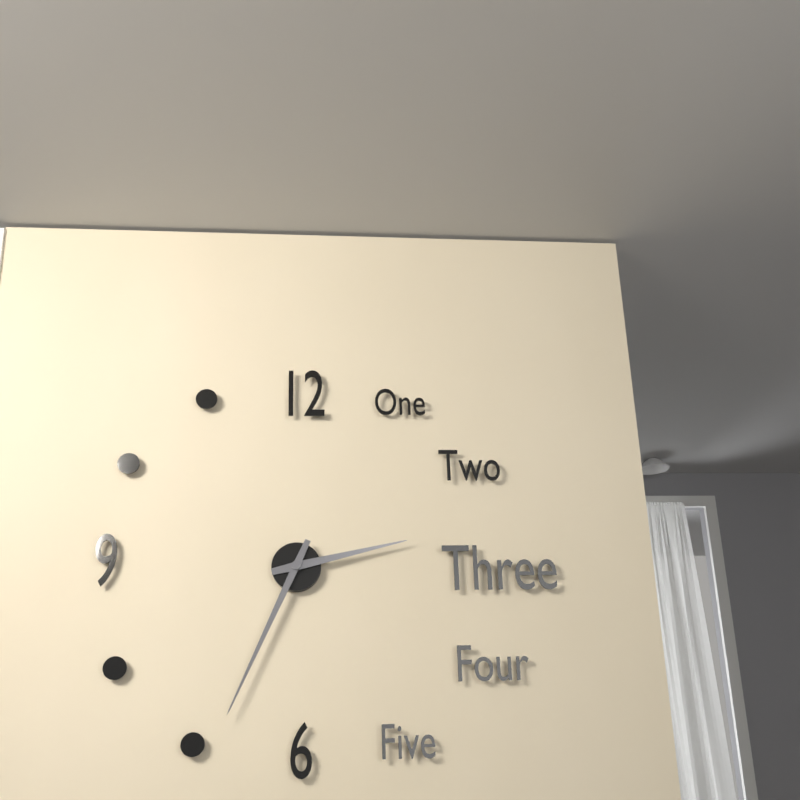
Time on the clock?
2:34
